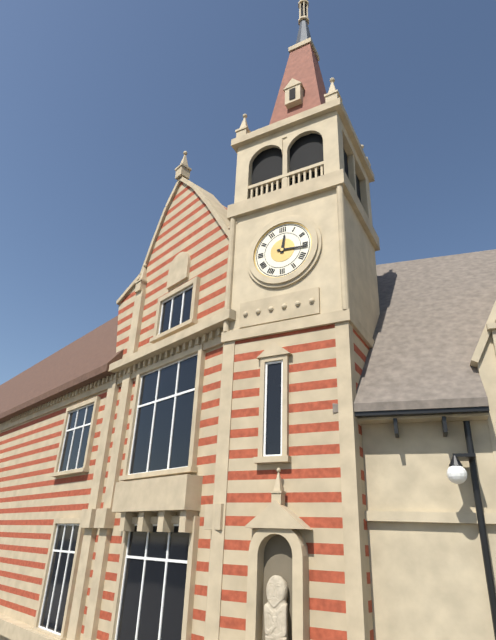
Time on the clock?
12:16
